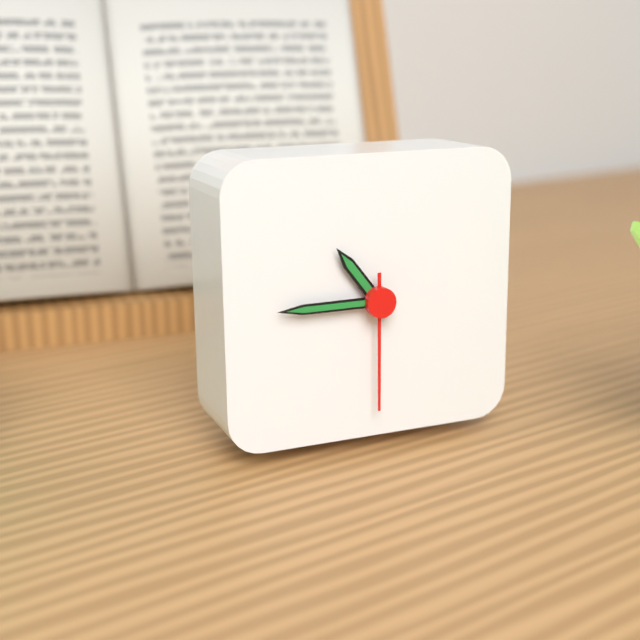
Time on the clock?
10:45:30
